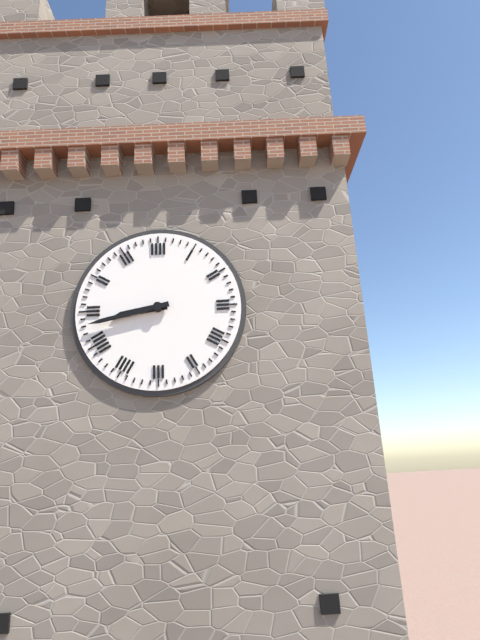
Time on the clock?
8:43
